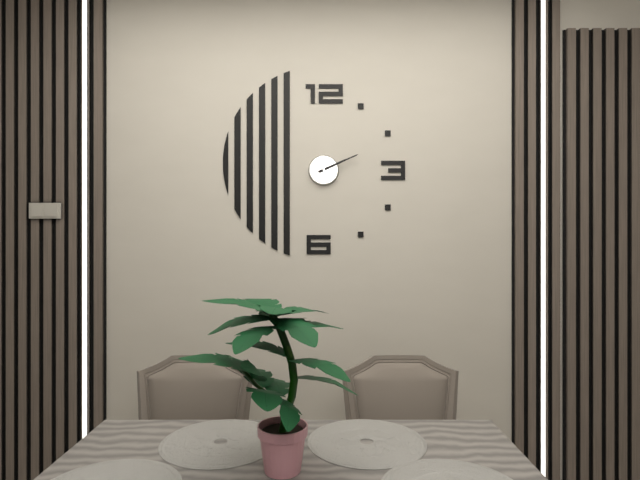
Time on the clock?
2:11
